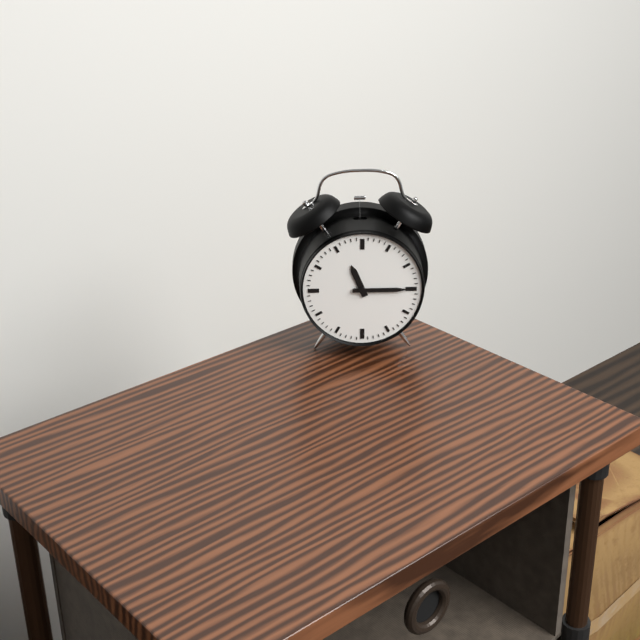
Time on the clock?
11:15
